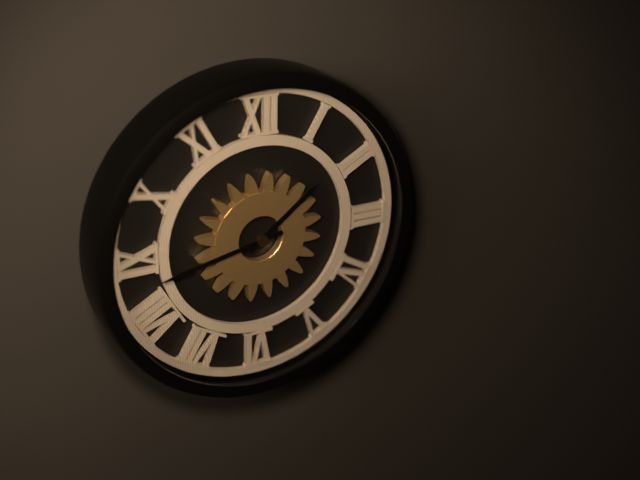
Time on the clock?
1:43
